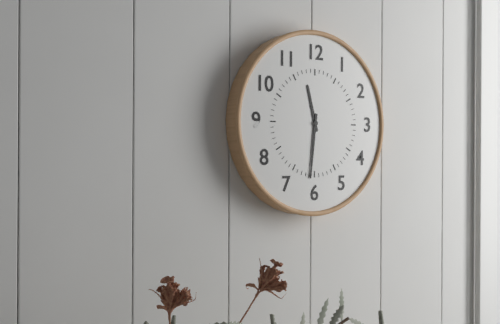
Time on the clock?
11:31
